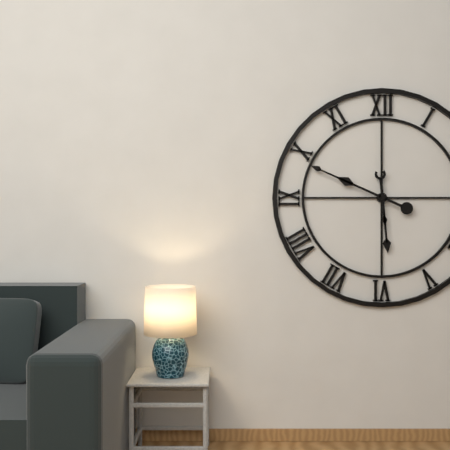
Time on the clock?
5:49
